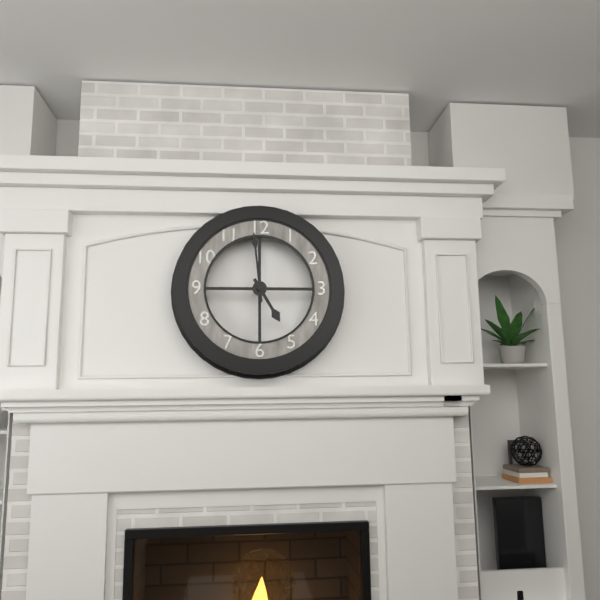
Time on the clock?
4:59
